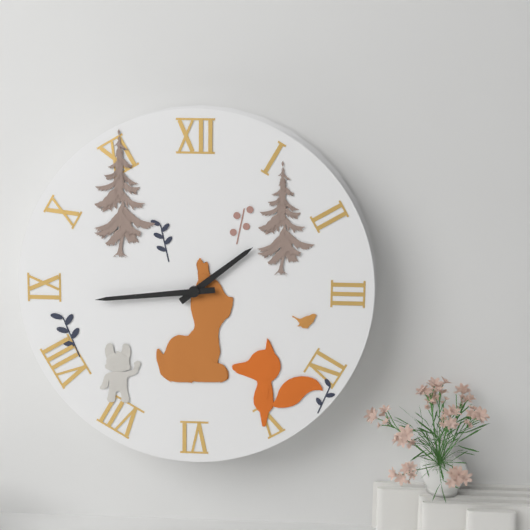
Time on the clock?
1:44
